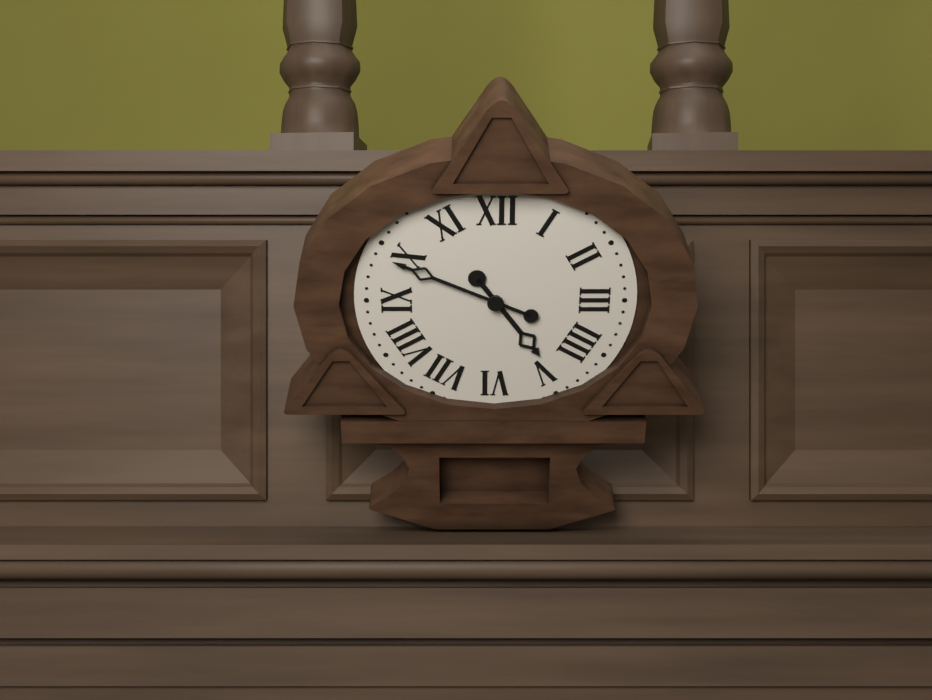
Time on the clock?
4:49
